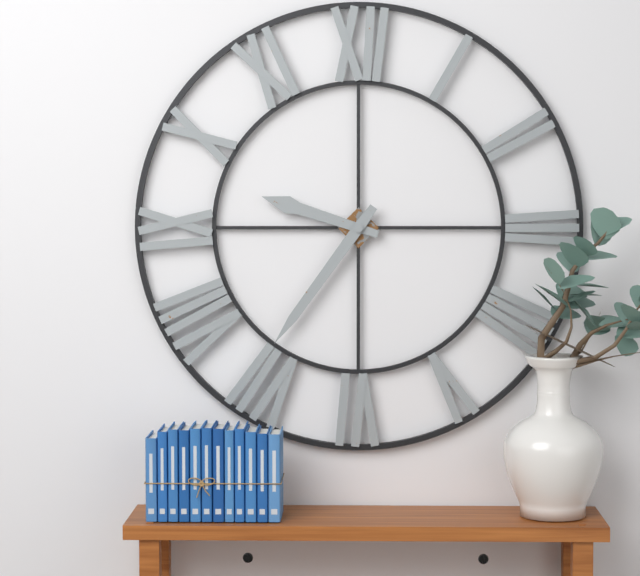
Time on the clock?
9:36
